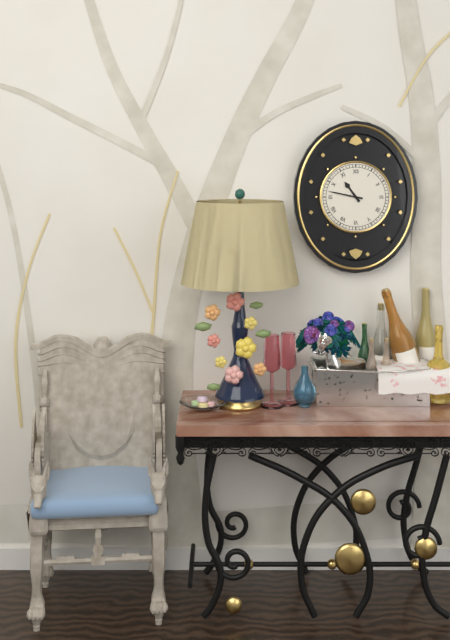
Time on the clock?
10:47
